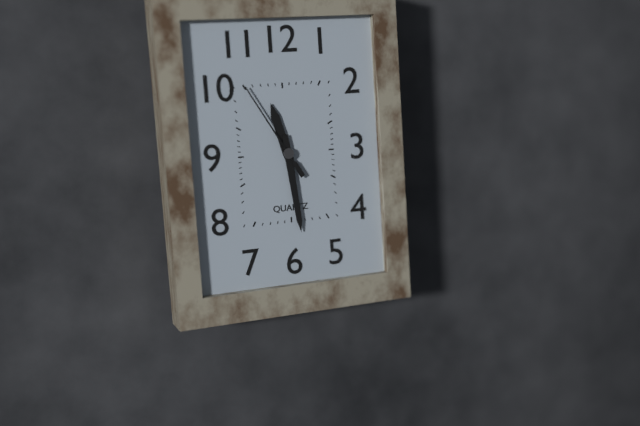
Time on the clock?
11:29:55
